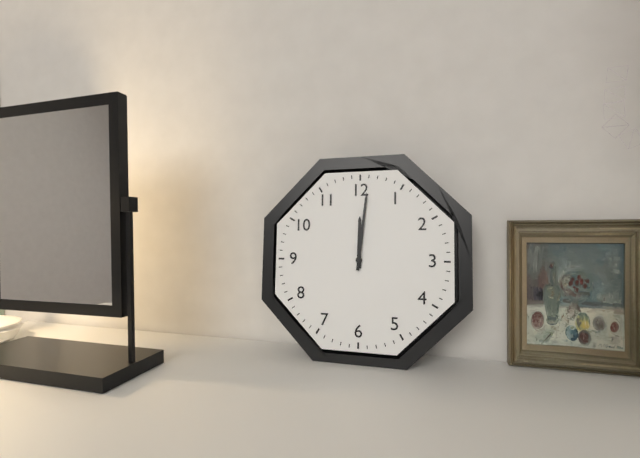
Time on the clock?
12:01
